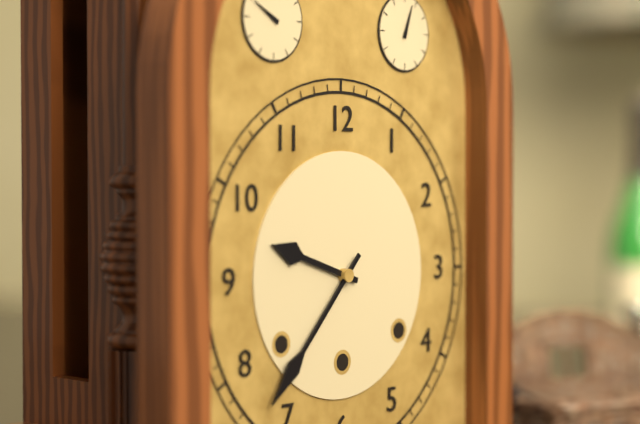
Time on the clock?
9:37
